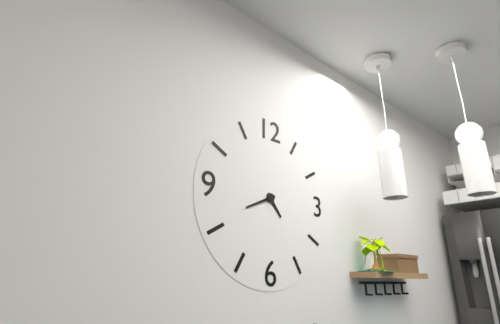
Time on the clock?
4:41
